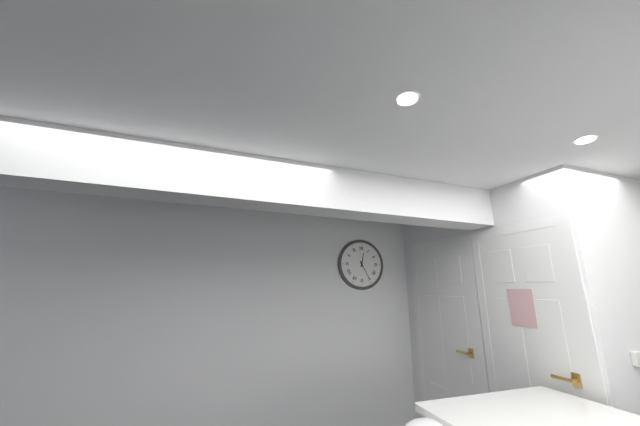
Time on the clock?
12:25
